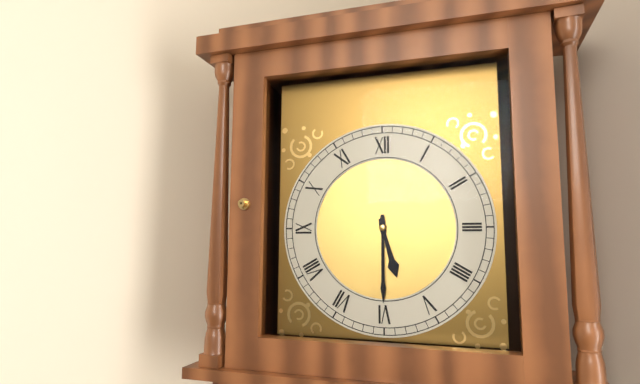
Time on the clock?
5:30
